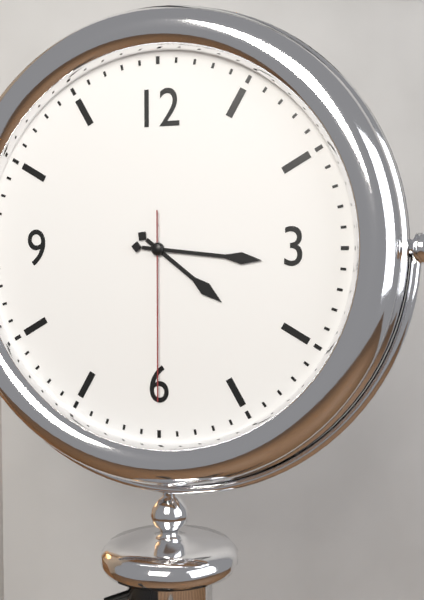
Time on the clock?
4:16:30
